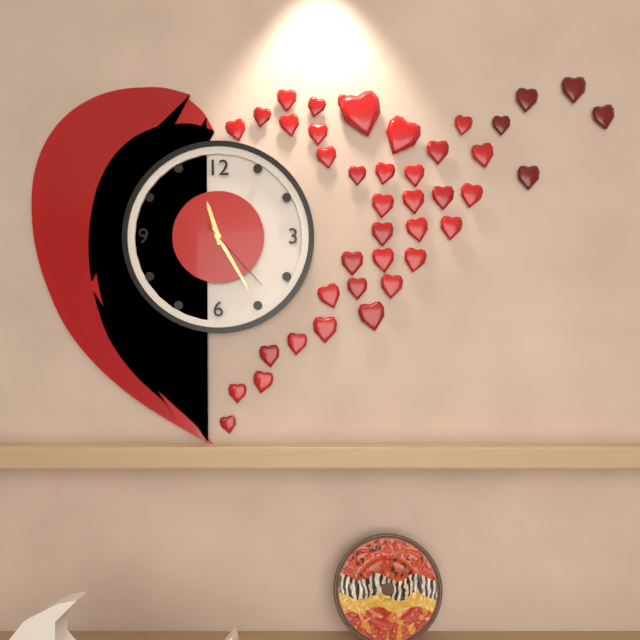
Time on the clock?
11:25:23
